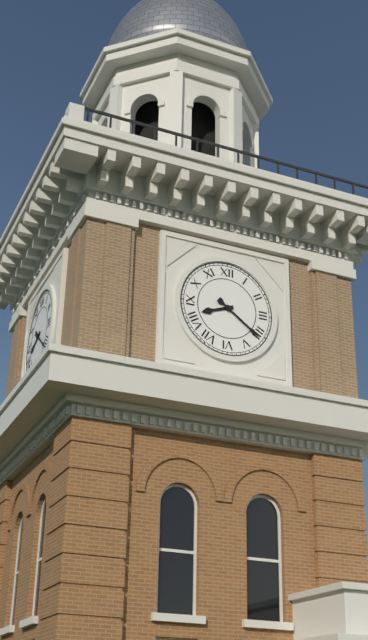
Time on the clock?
8:21
